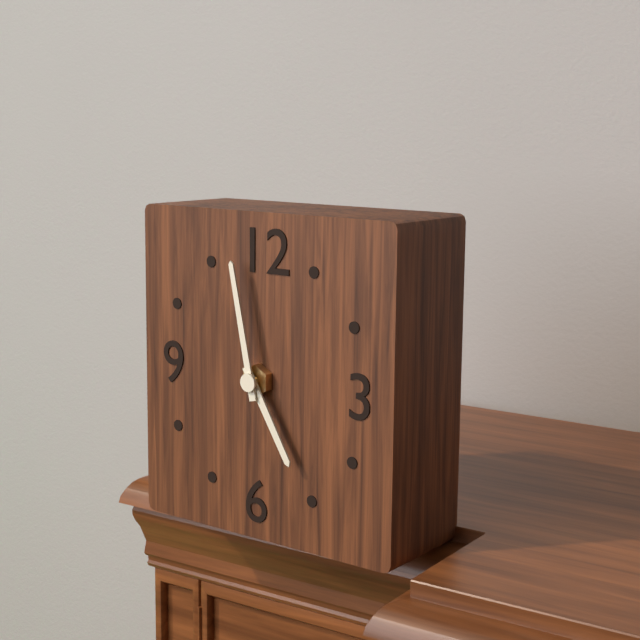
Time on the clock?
4:58
